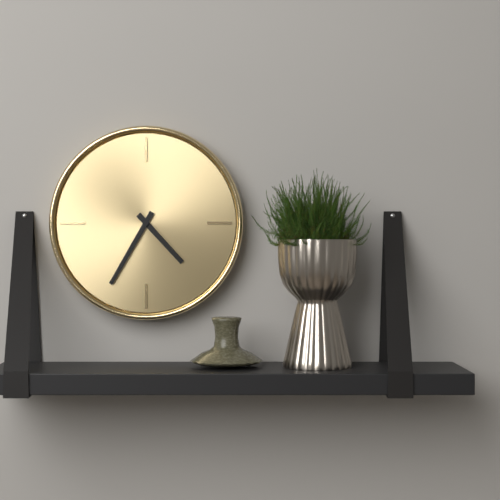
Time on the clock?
4:35
